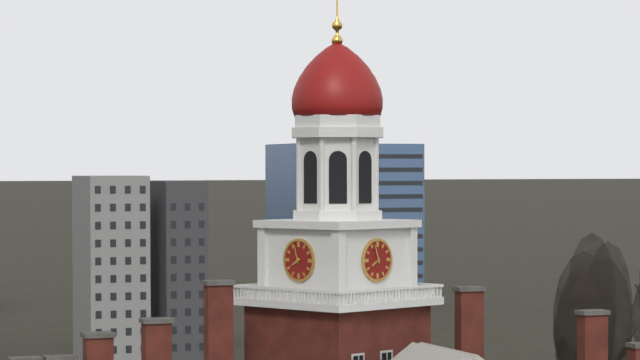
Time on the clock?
7:57
